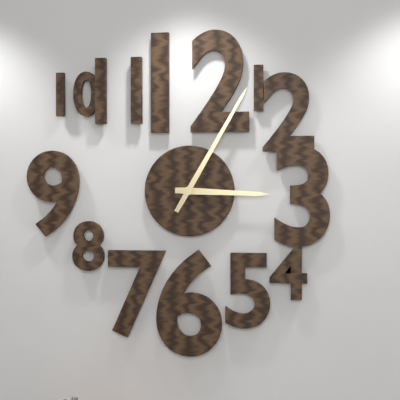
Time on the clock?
3:05
